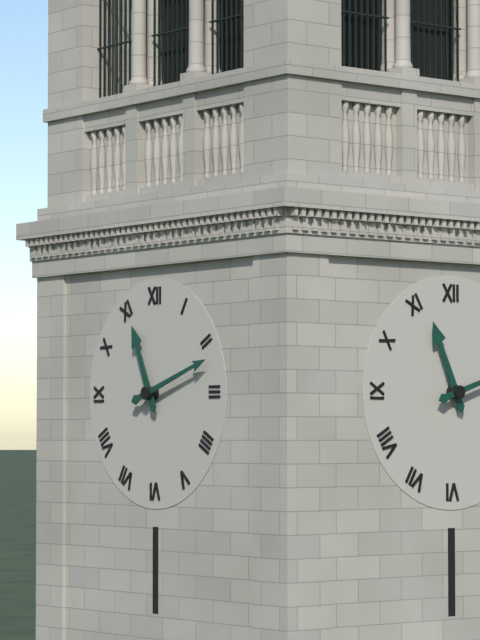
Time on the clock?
11:12
